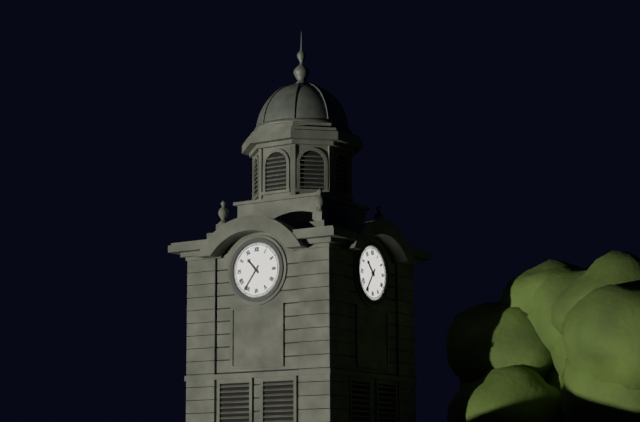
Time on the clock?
10:36
